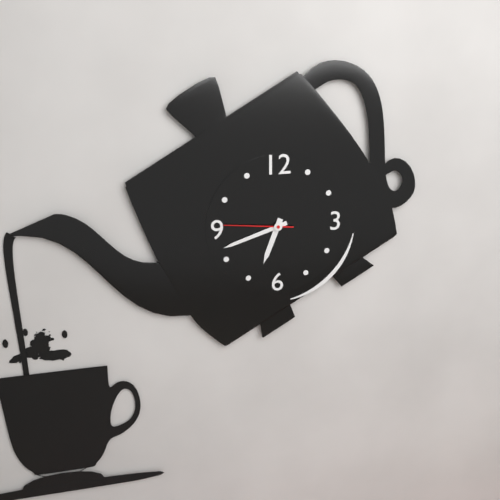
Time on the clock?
6:42:46
